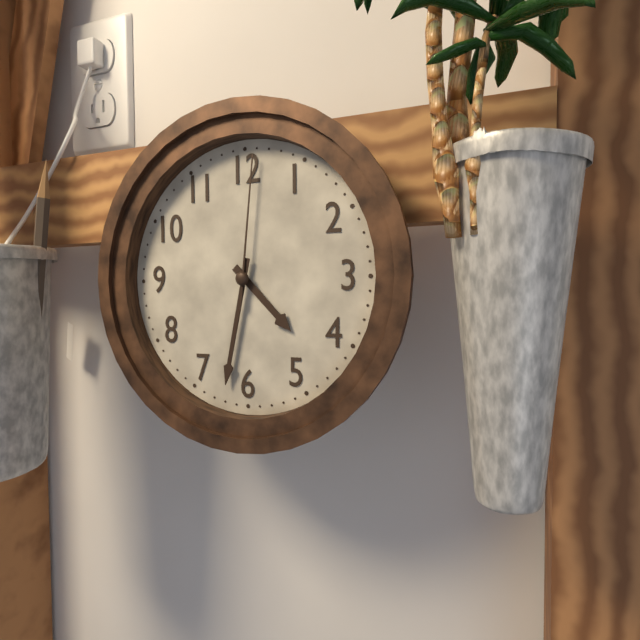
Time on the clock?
4:32:01
